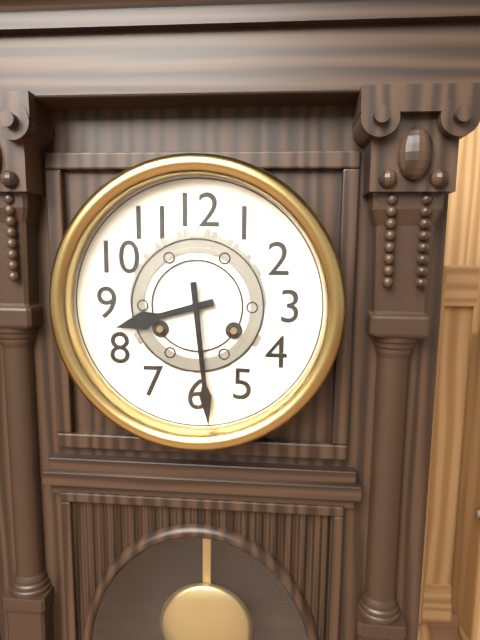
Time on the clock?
8:29
